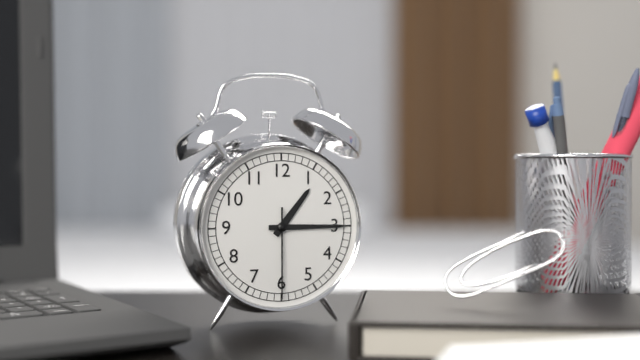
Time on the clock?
1:15:30
